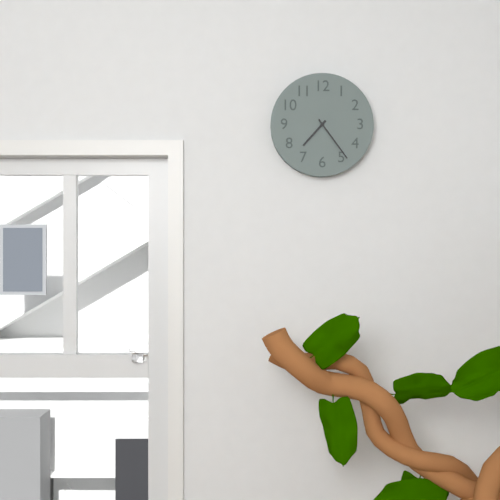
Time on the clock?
7:24
